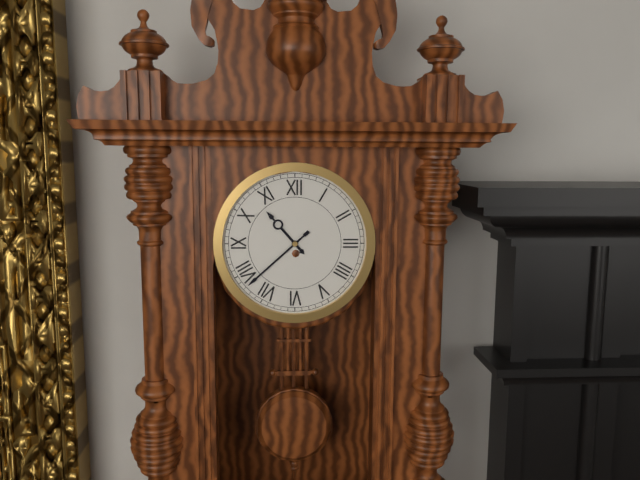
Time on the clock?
10:38
